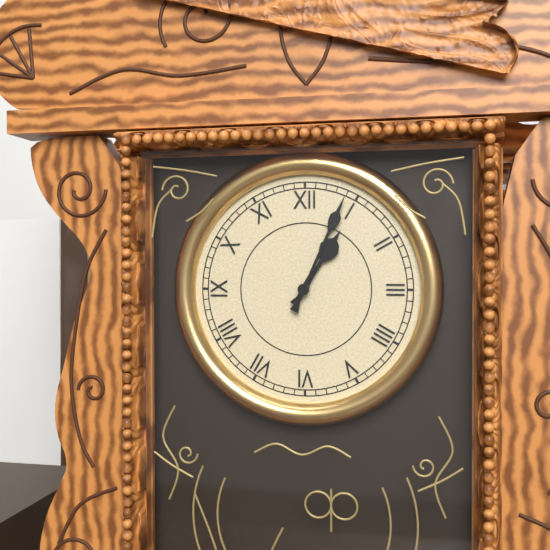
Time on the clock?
1:04
